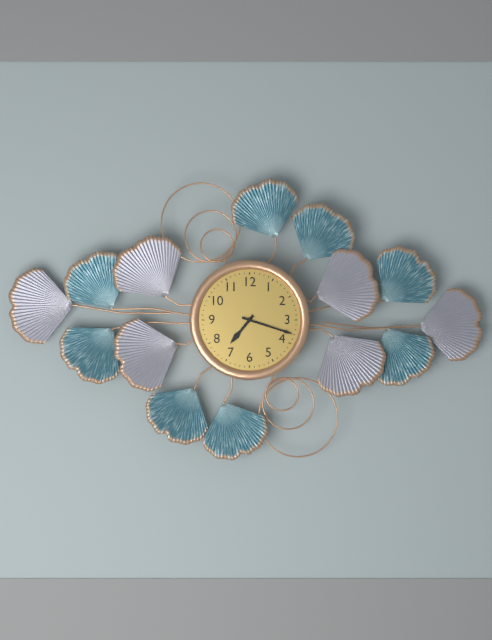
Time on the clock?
7:18
